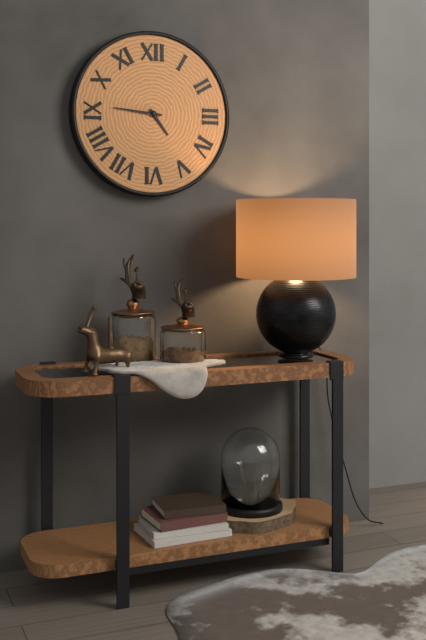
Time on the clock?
4:46
